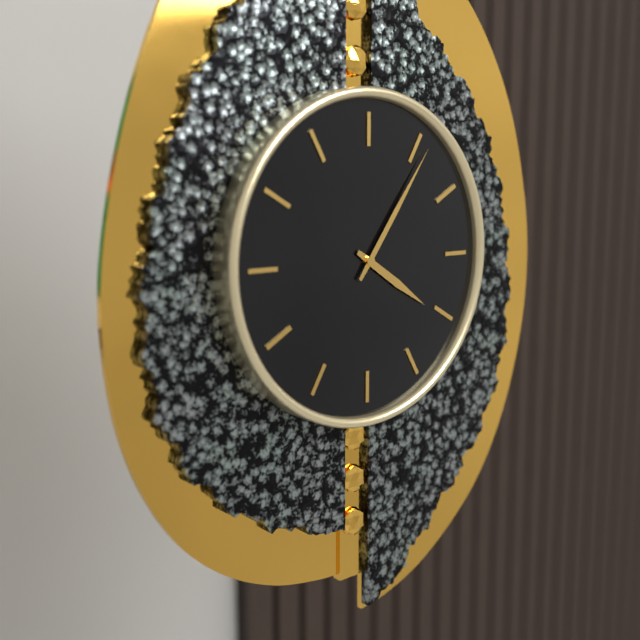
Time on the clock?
4:06
